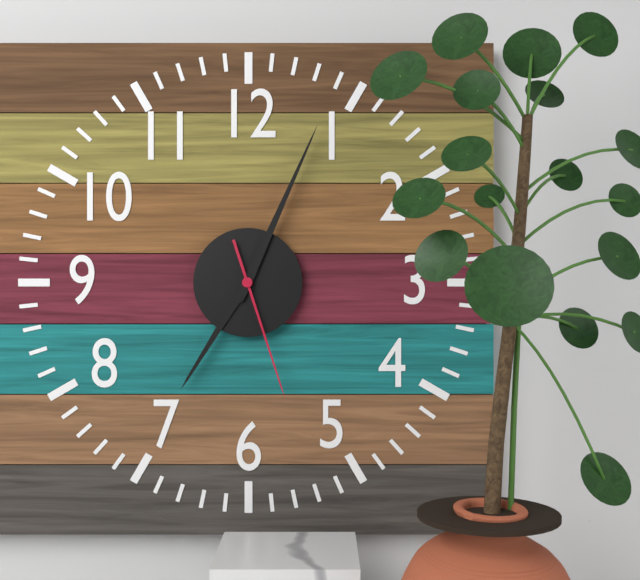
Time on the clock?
7:04:27
